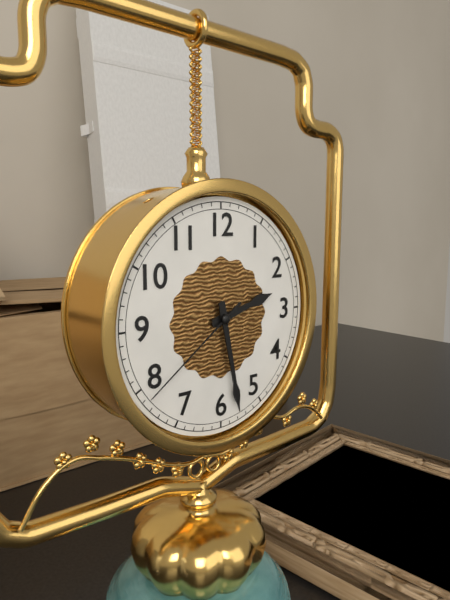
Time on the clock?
2:28:39
